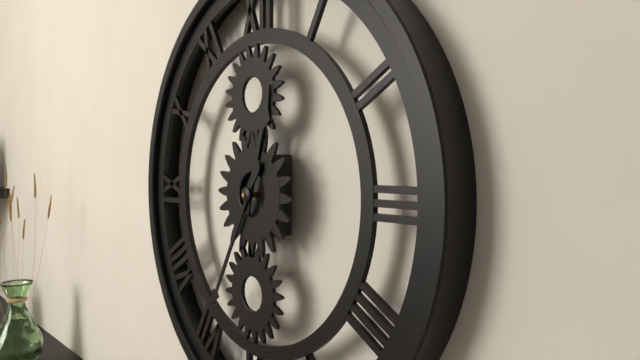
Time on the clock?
12:35
